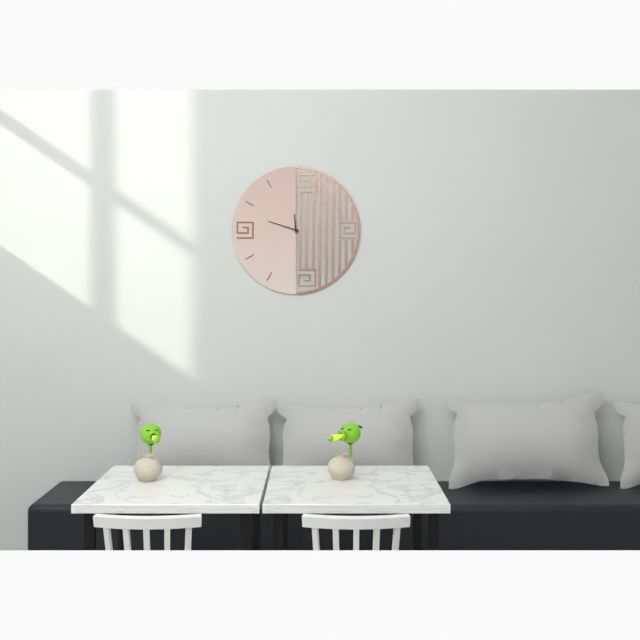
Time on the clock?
11:48
